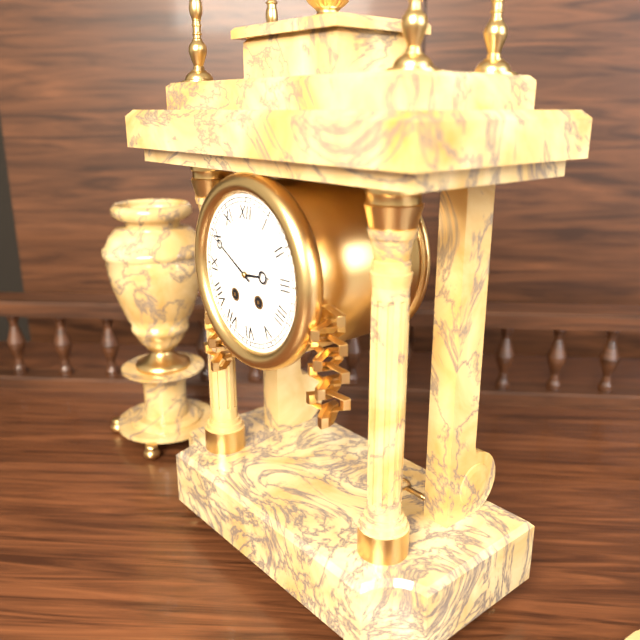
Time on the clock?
2:50
